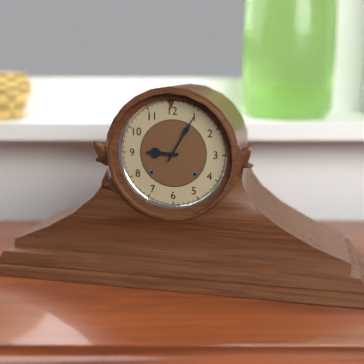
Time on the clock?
9:05
